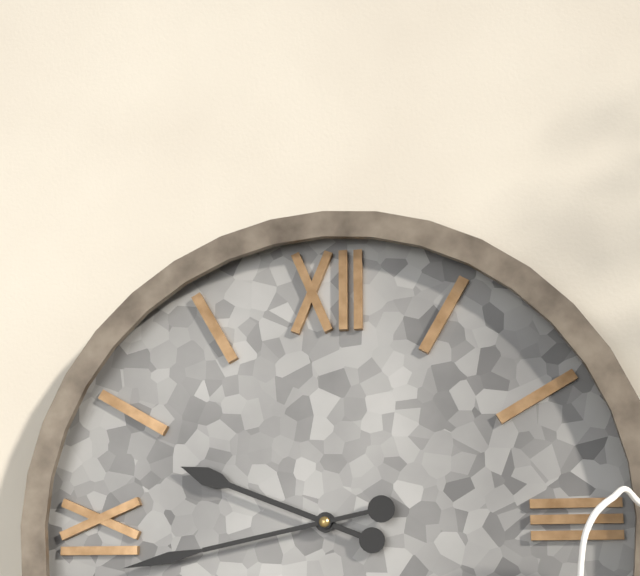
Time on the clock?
9:43
